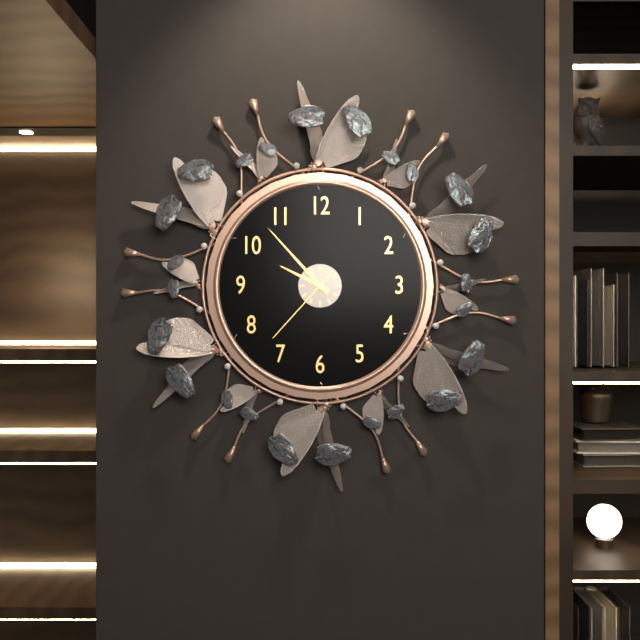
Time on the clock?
9:53:37
